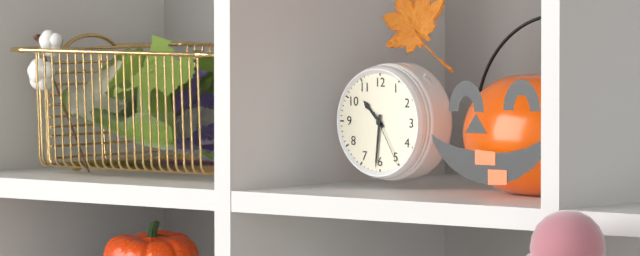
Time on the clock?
10:31:25
